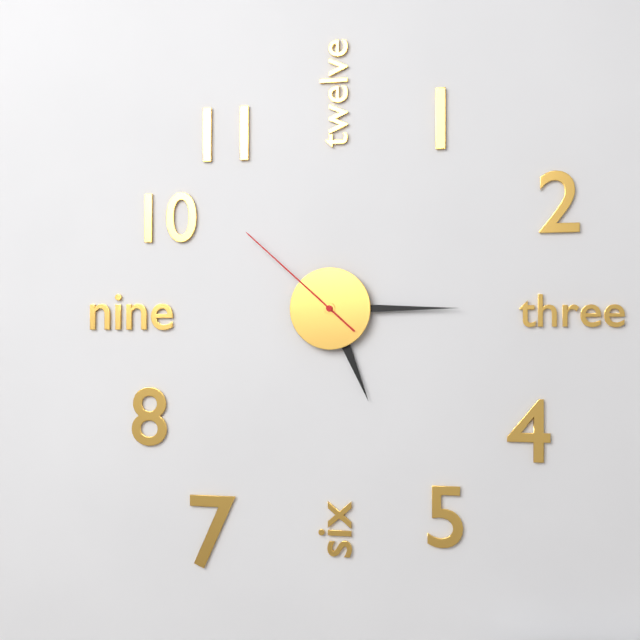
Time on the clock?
5:15:52
